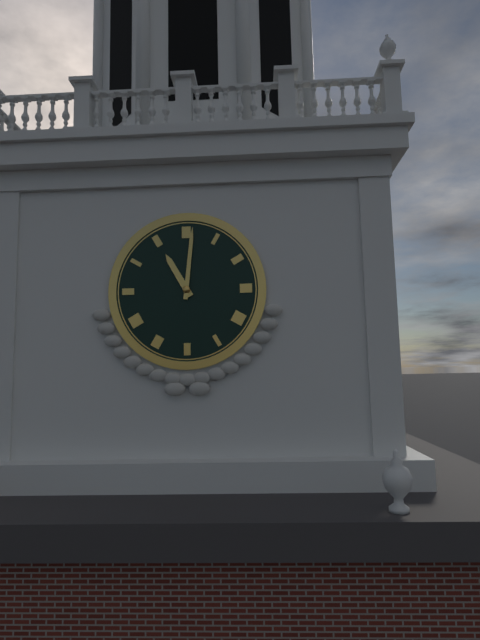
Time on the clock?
11:01
